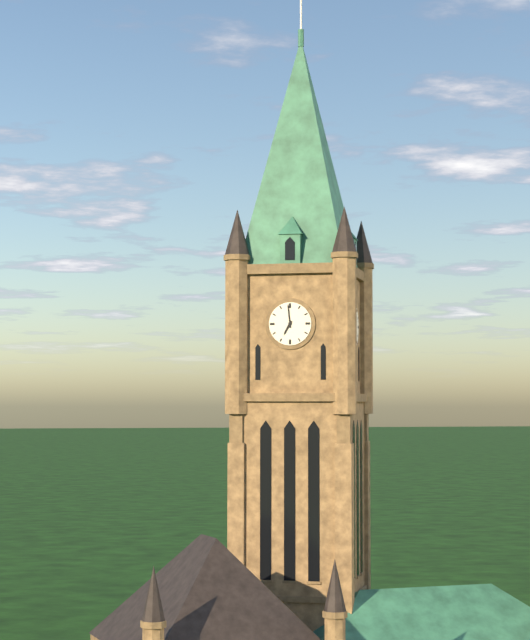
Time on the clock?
6:59
